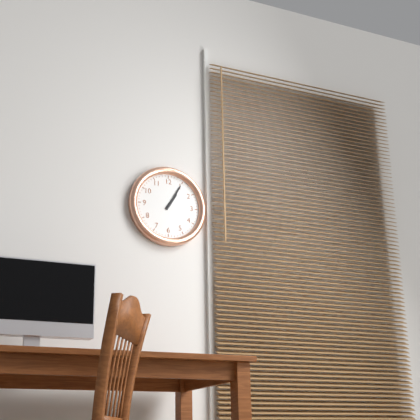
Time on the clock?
1:05
